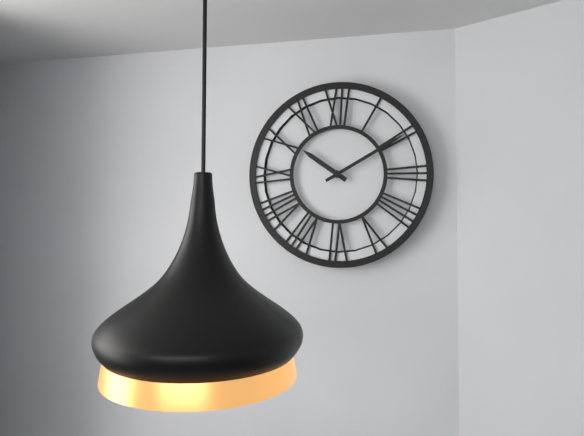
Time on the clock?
10:10
